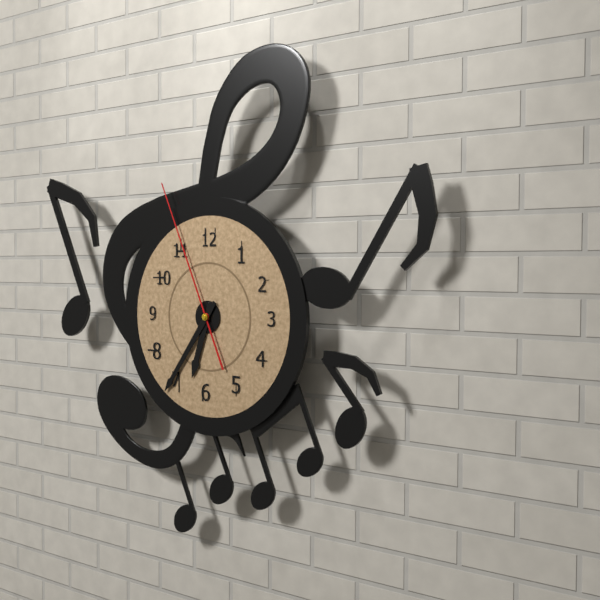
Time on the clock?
6:36:56
